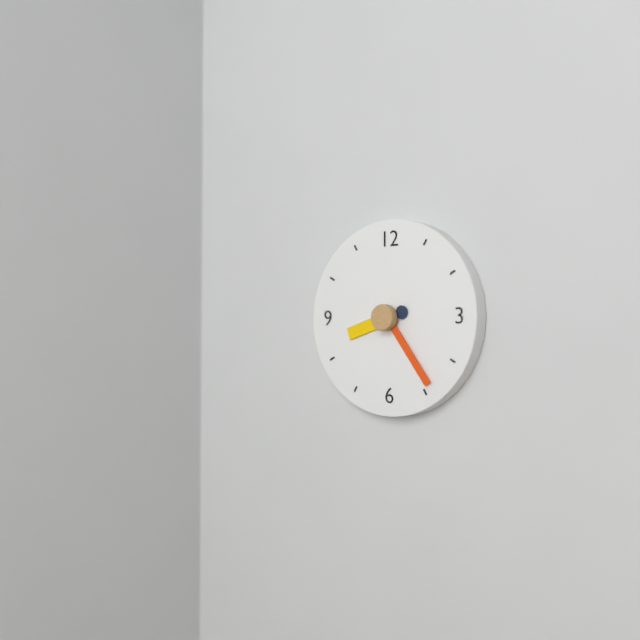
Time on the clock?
8:24
